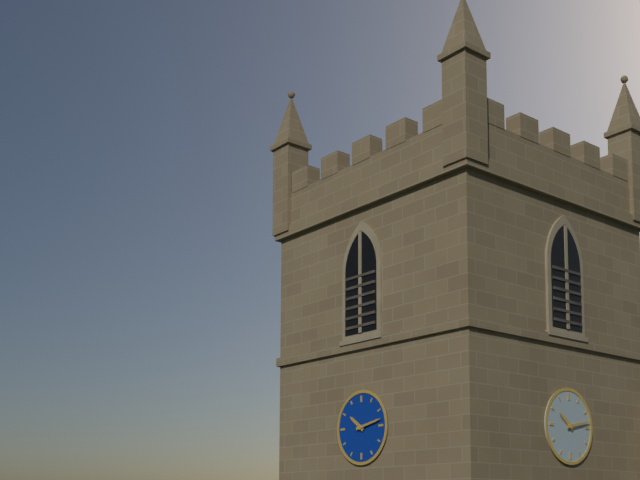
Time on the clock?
10:13
